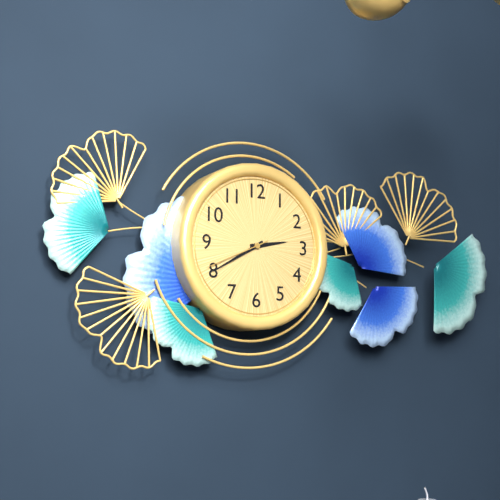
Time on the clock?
2:40:41
